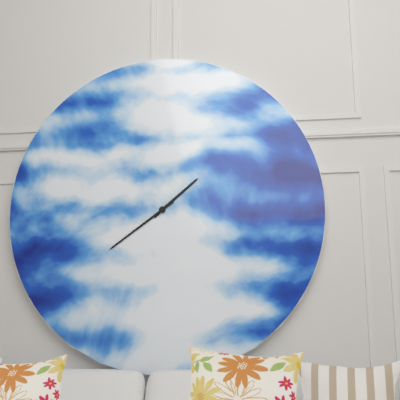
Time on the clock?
1:39
